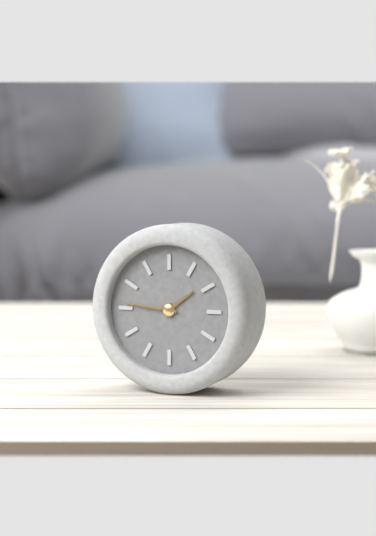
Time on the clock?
1:46
